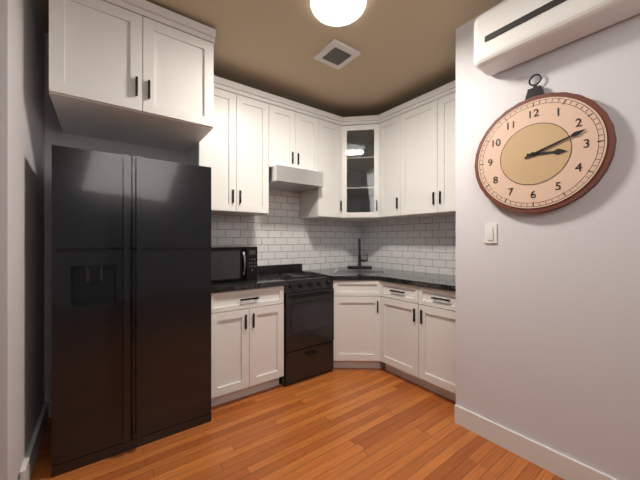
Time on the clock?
3:12
